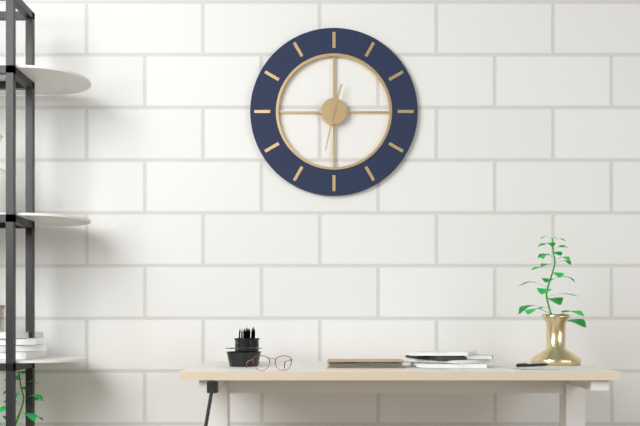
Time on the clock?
12:32
